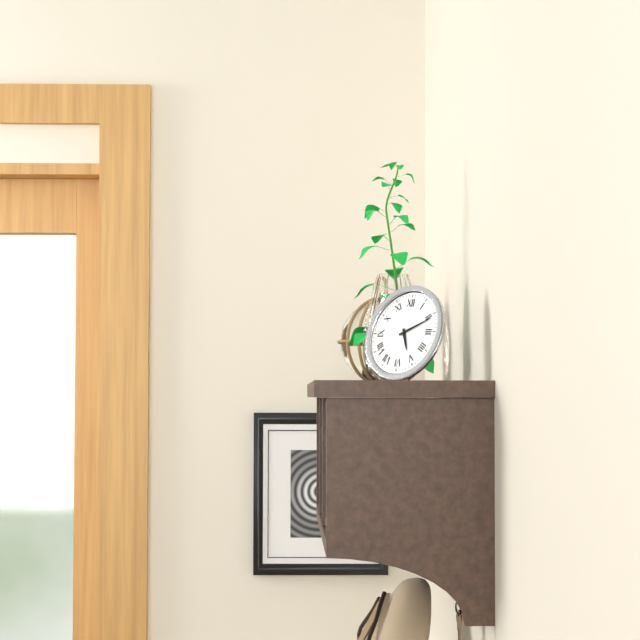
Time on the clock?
5:11
